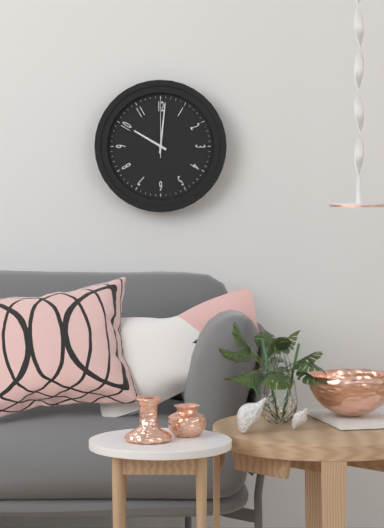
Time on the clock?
10:01:00
